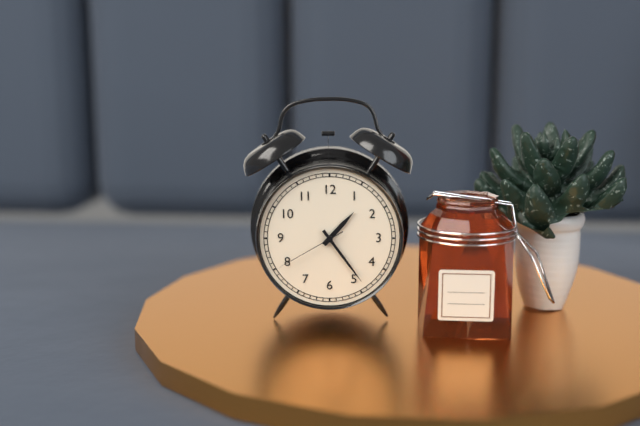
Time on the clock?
1:24:40
